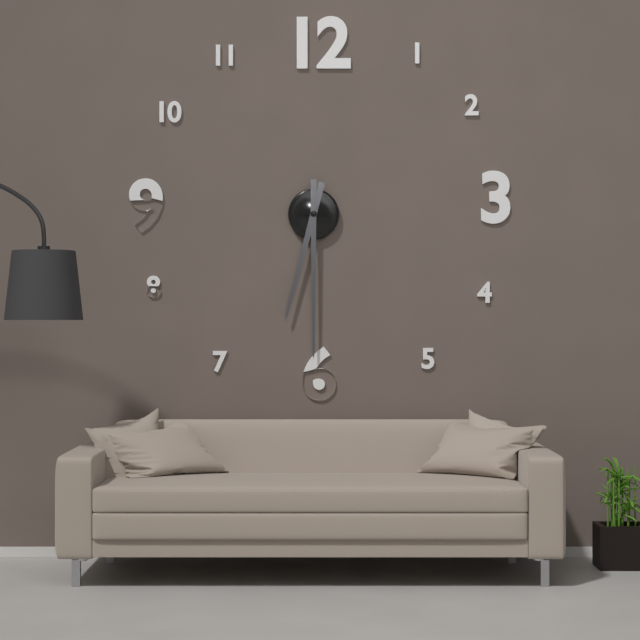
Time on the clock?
6:30
